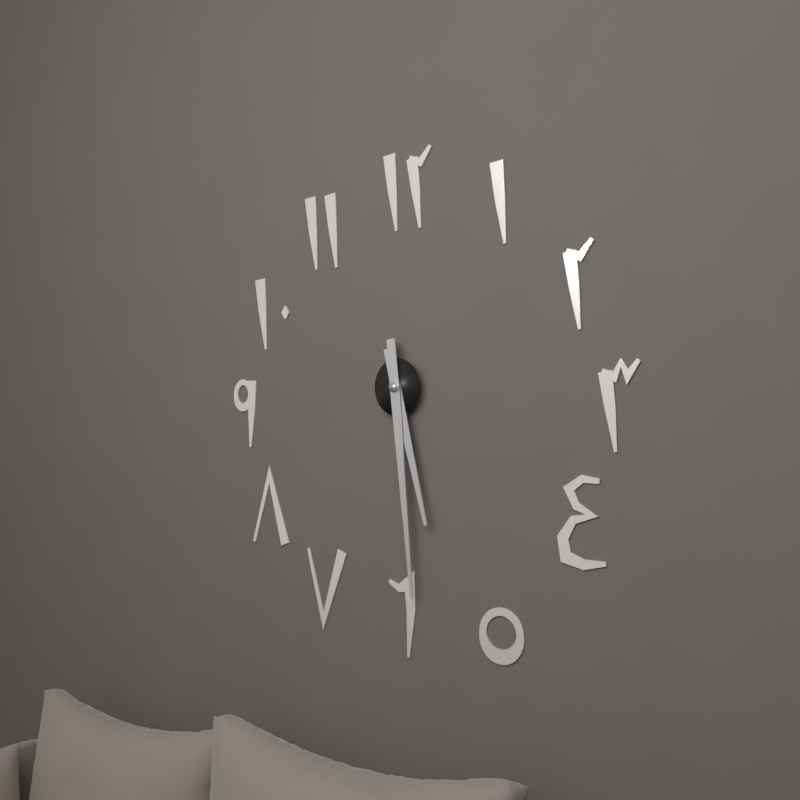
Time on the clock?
5:29
